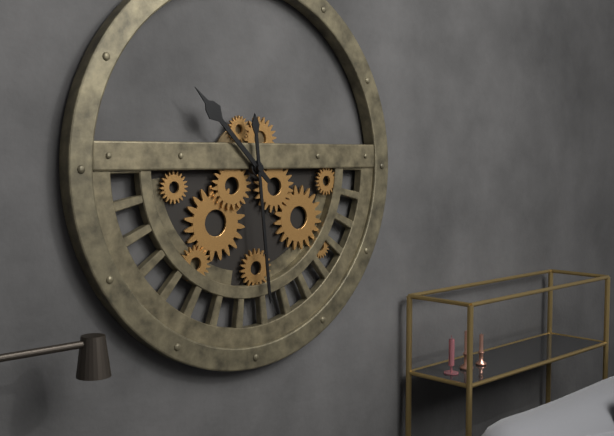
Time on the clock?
10:29
